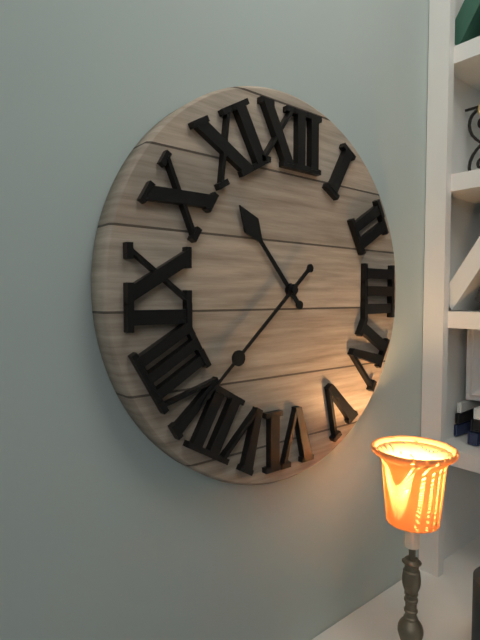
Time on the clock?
10:38
